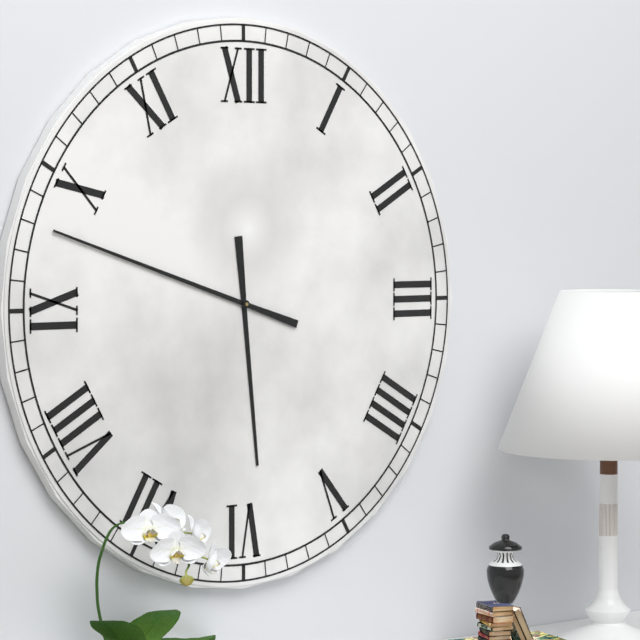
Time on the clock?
5:48
